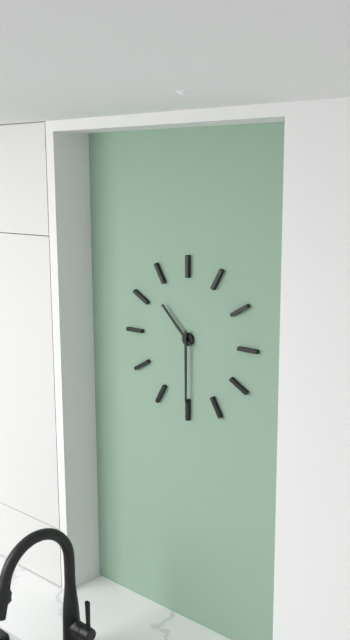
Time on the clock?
10:30
